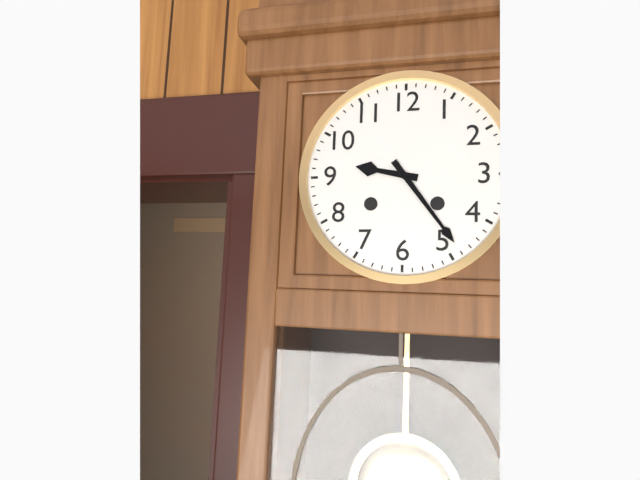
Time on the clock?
9:24
